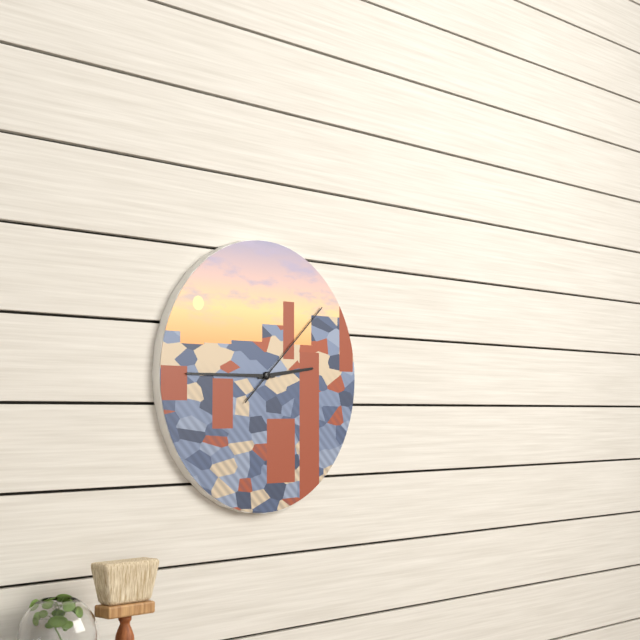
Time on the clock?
2:45:08
